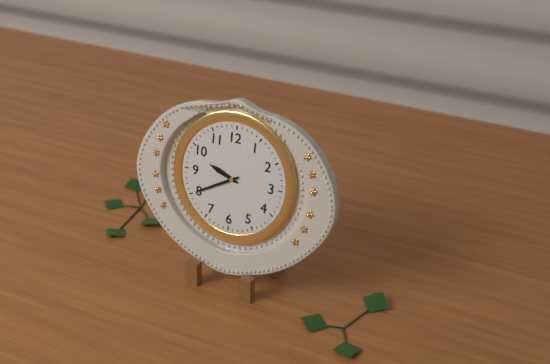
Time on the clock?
9:40
